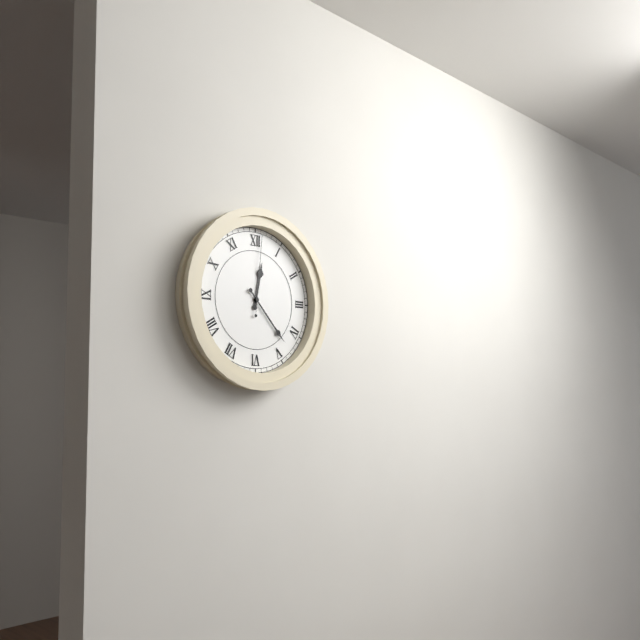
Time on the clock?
12:23:01
